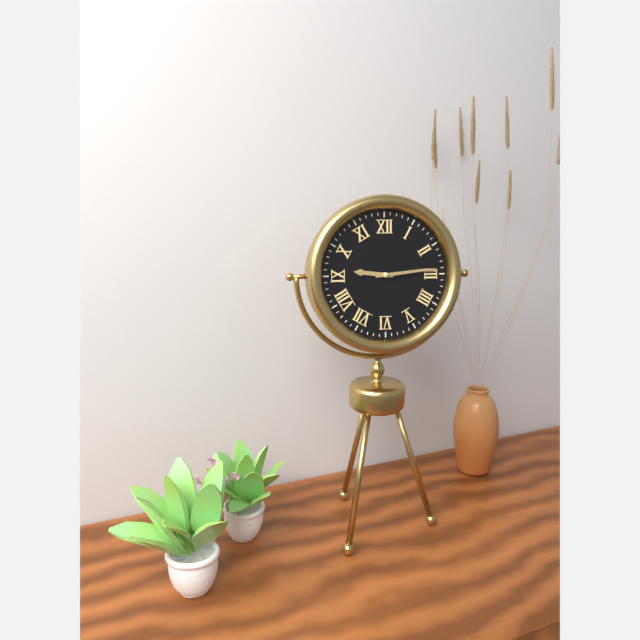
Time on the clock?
9:14
